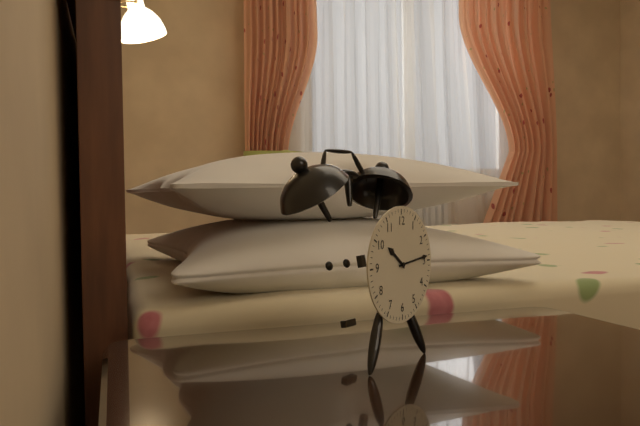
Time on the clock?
10:14
